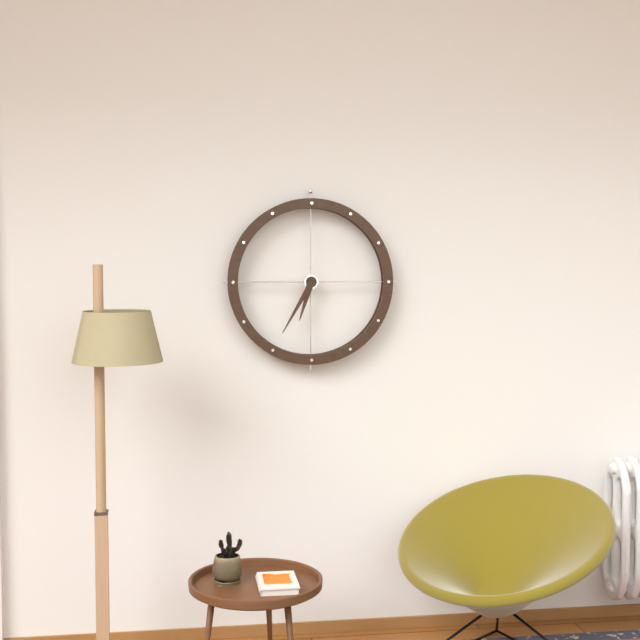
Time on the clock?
6:35
